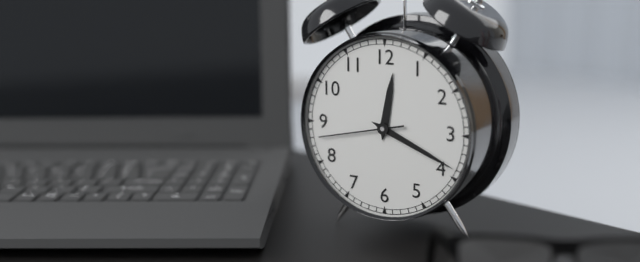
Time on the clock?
12:19:43
